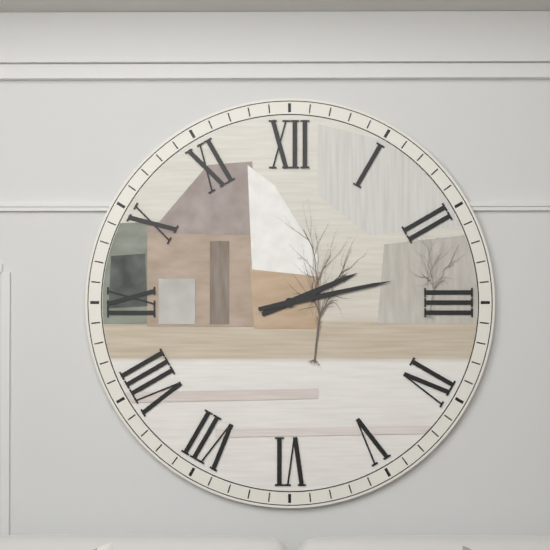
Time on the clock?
2:13
